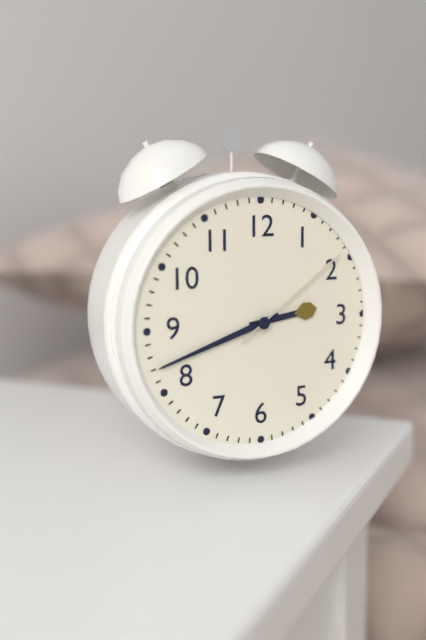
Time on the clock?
2:42:09
